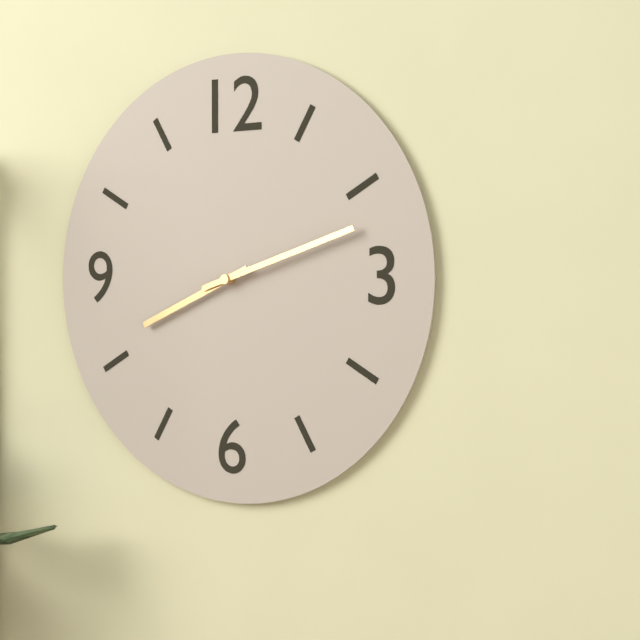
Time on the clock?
8:12
